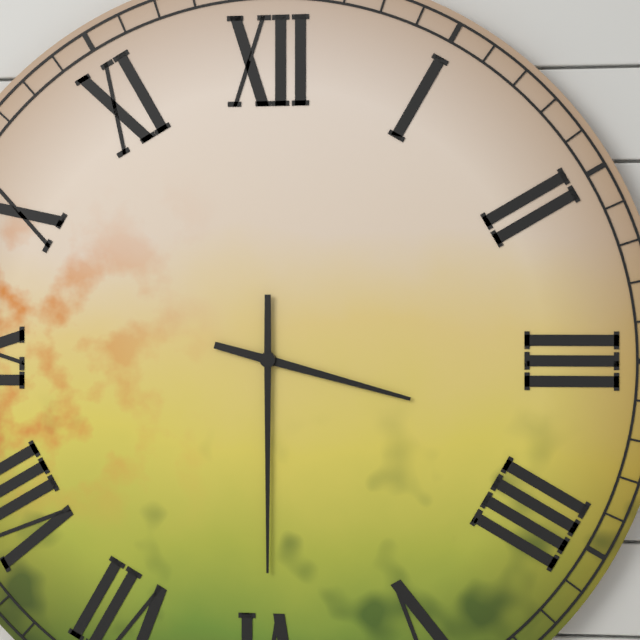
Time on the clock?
3:30
